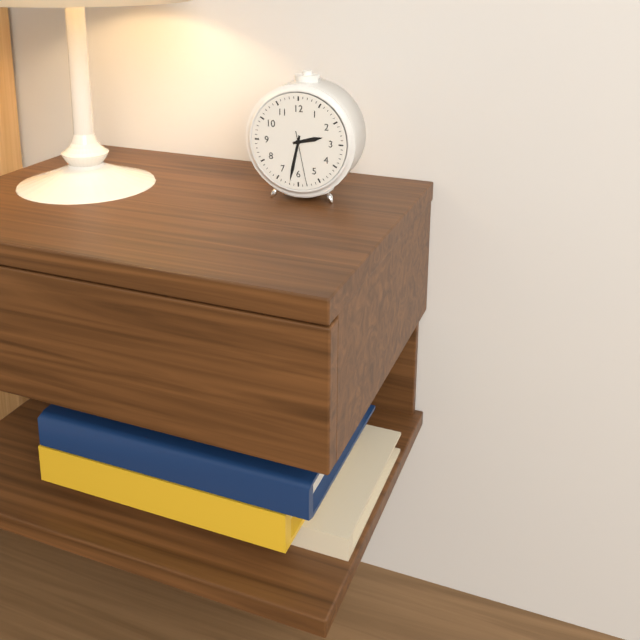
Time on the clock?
2:32:28
